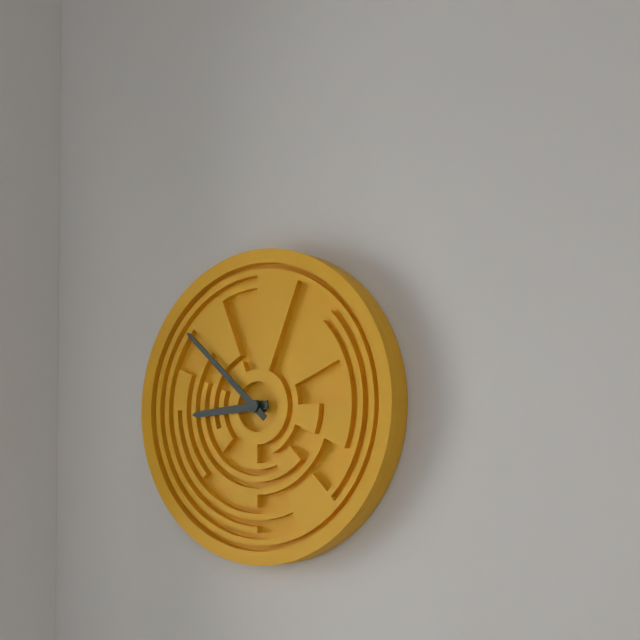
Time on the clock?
8:52
